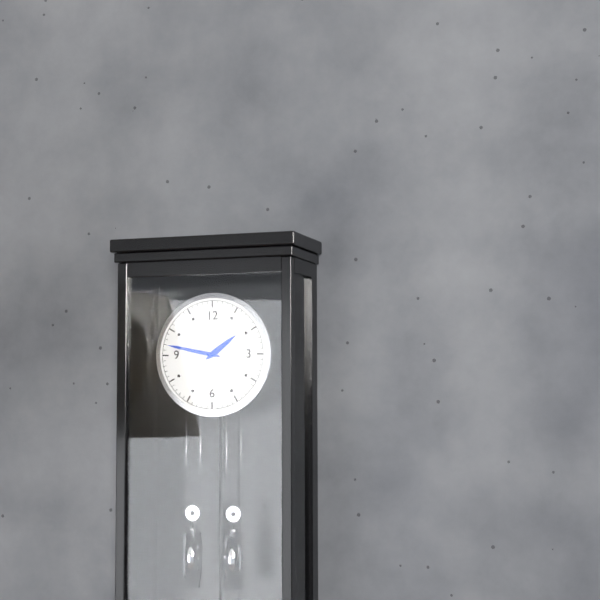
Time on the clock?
1:47
